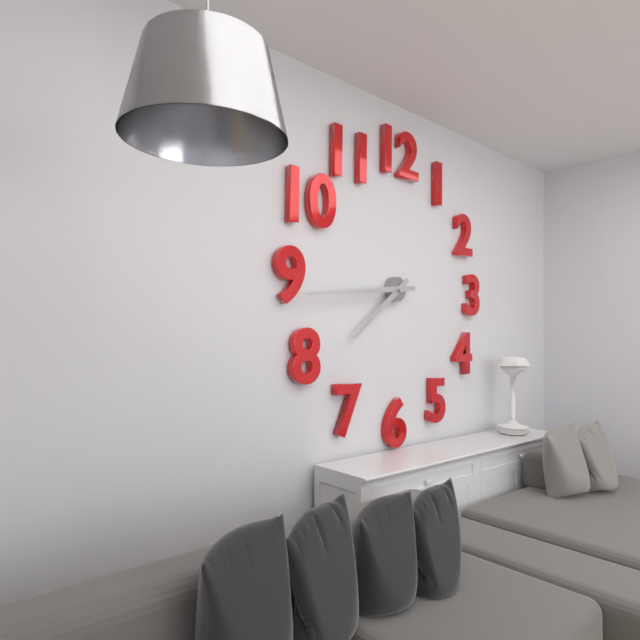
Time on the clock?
7:44
